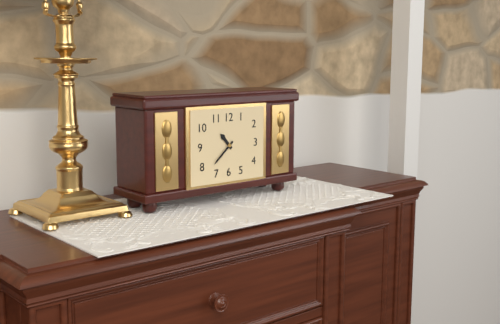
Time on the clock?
10:38
